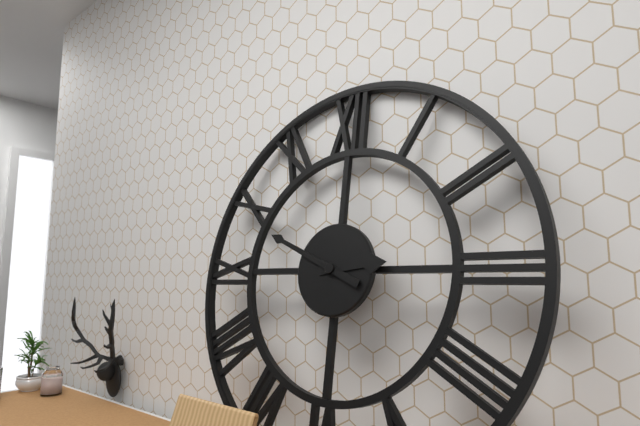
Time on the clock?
2:49
